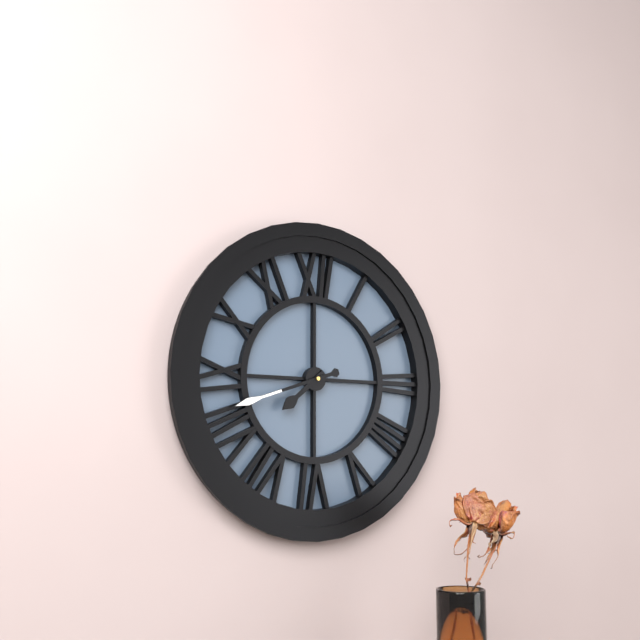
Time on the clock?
7:42
